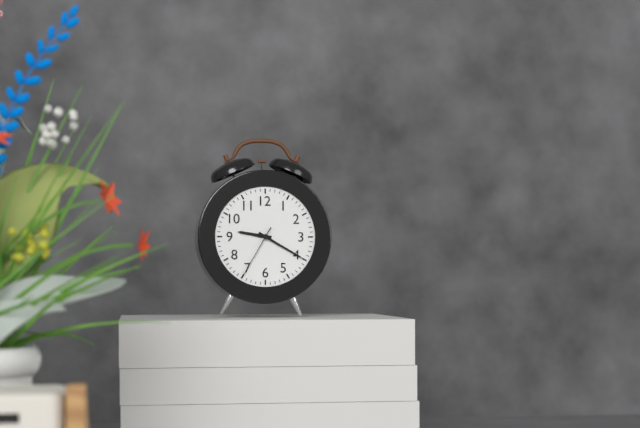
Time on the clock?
9:20:35
